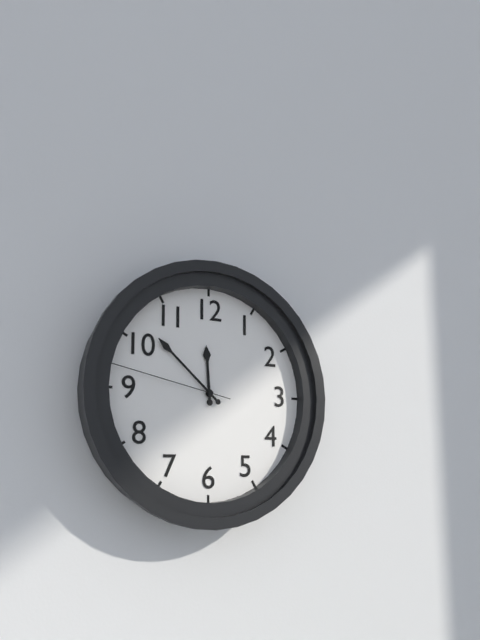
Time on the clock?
11:52:47
